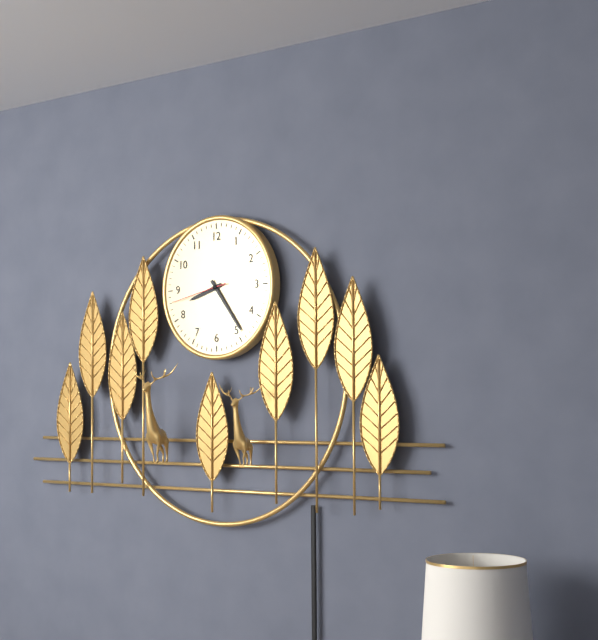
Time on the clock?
8:24:43
